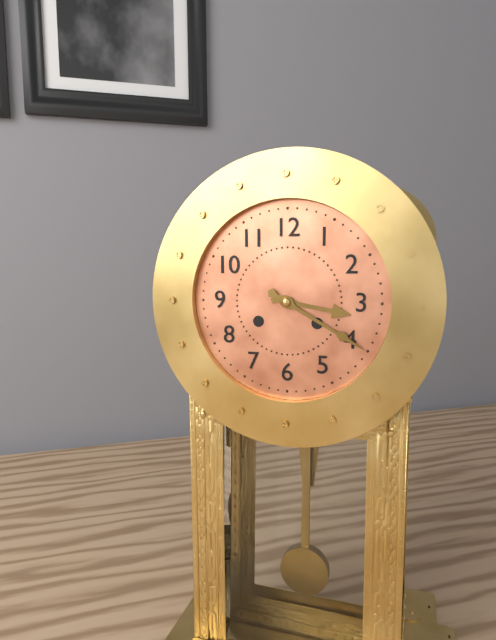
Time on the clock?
3:20
